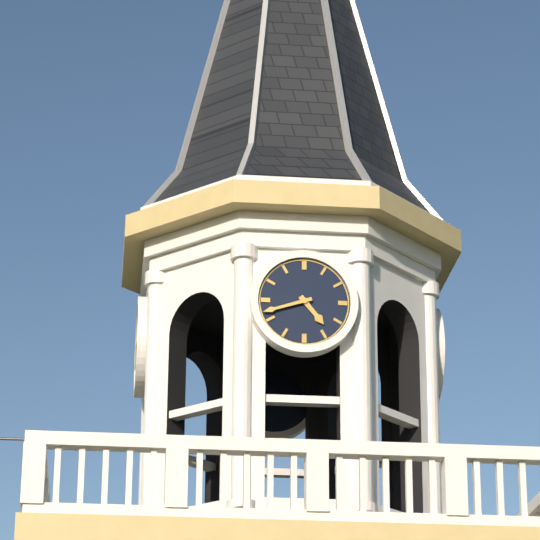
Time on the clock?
4:42
